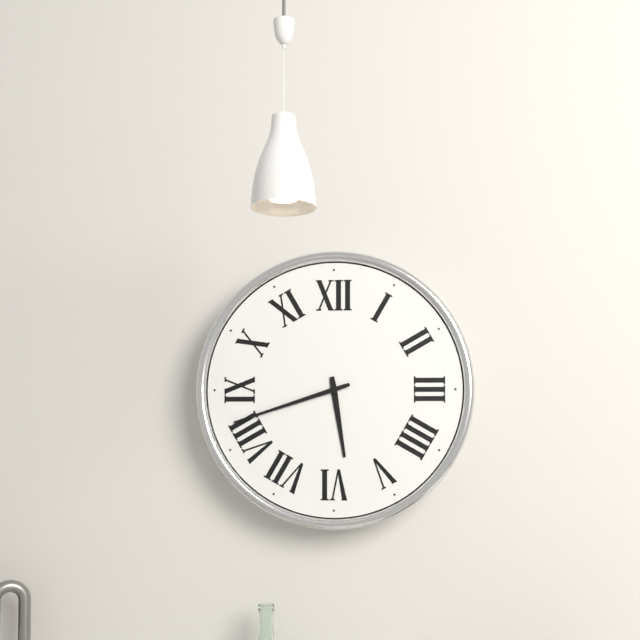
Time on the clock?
5:42
